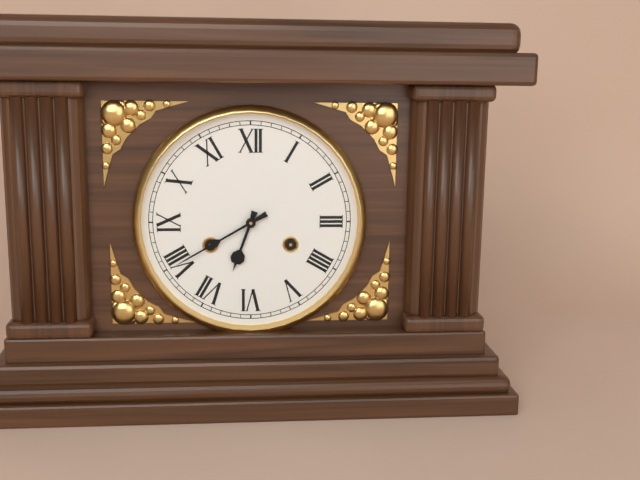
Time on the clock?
6:40
